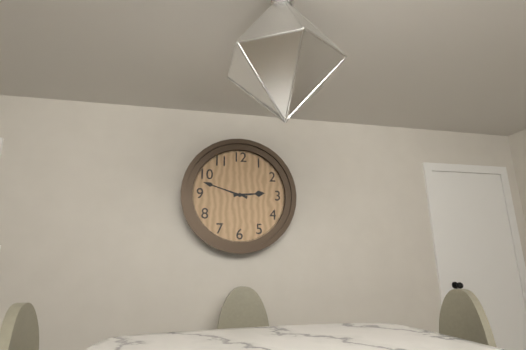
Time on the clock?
2:48
